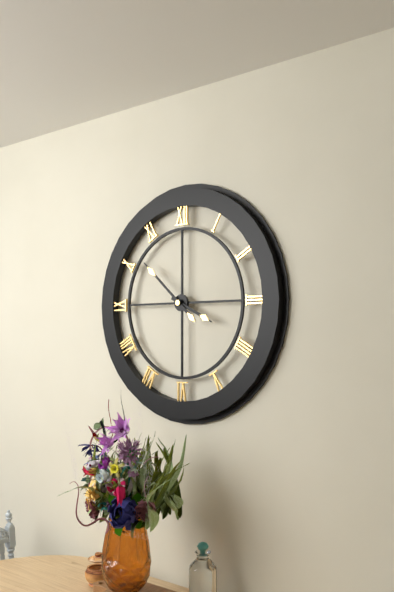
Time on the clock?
3:52
